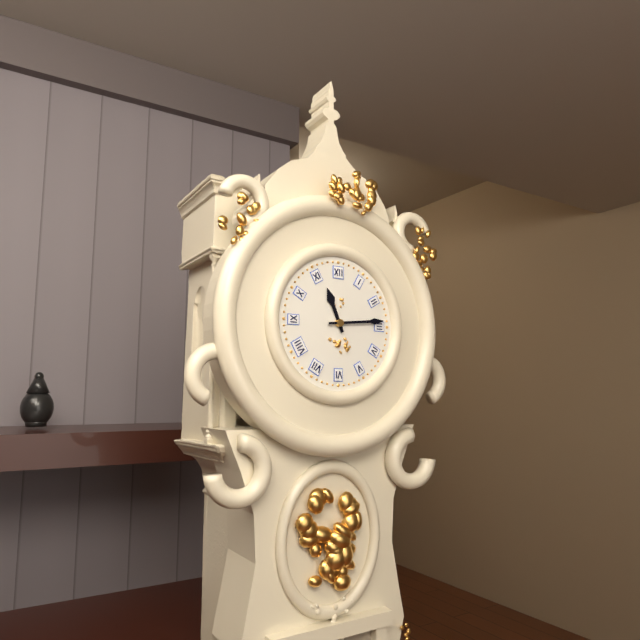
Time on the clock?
11:14
